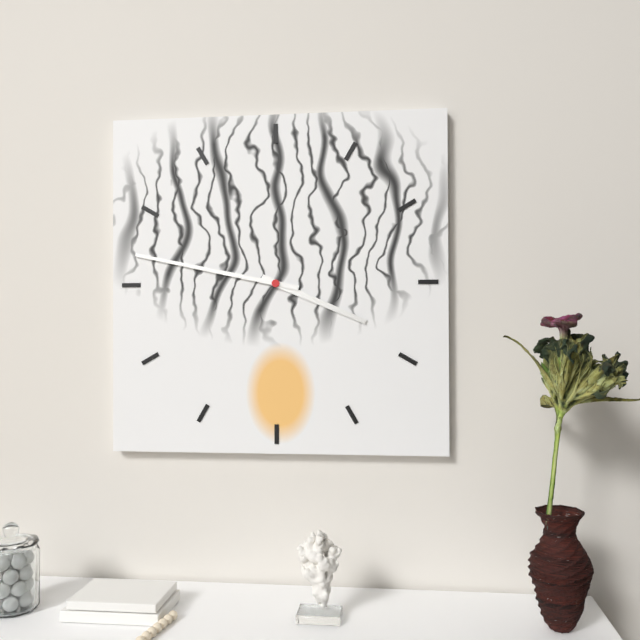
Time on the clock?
3:47
